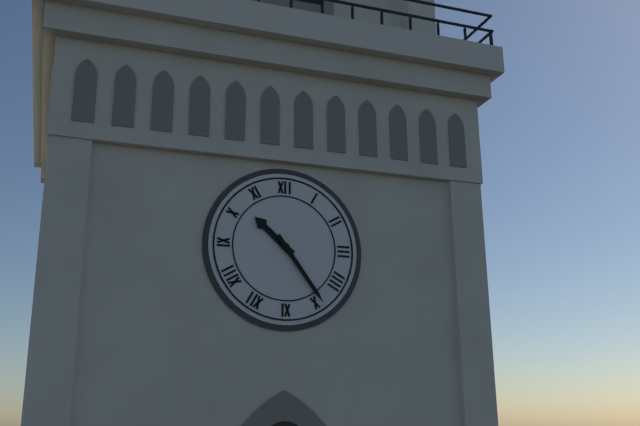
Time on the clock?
10:24
